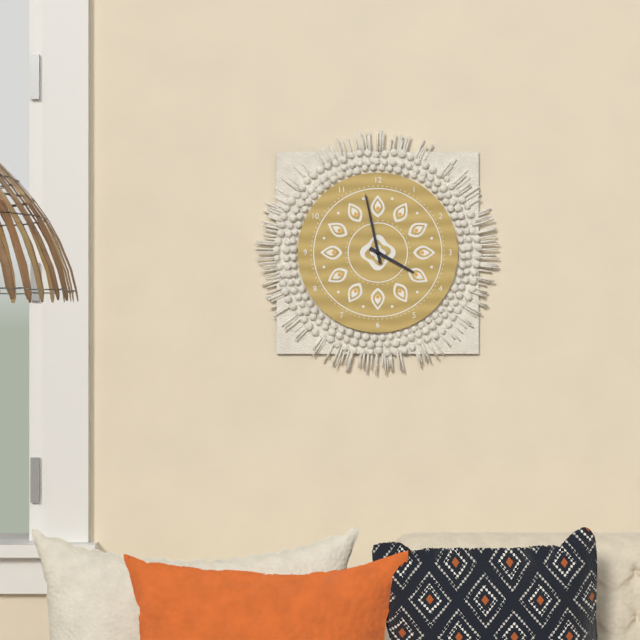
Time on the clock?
3:58
